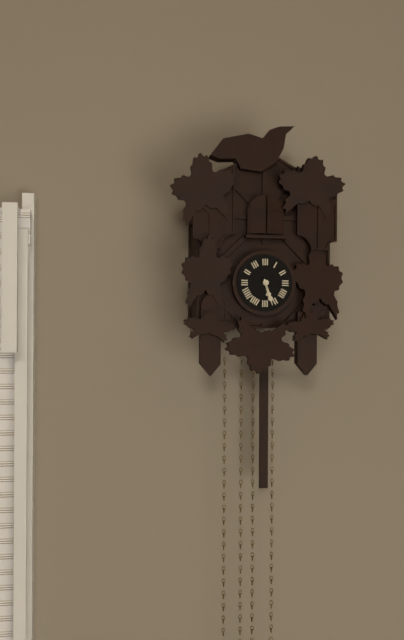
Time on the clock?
5:27
